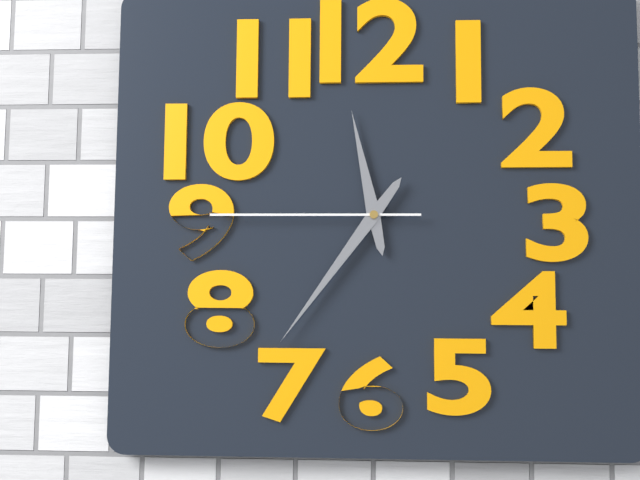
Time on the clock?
11:36:45
